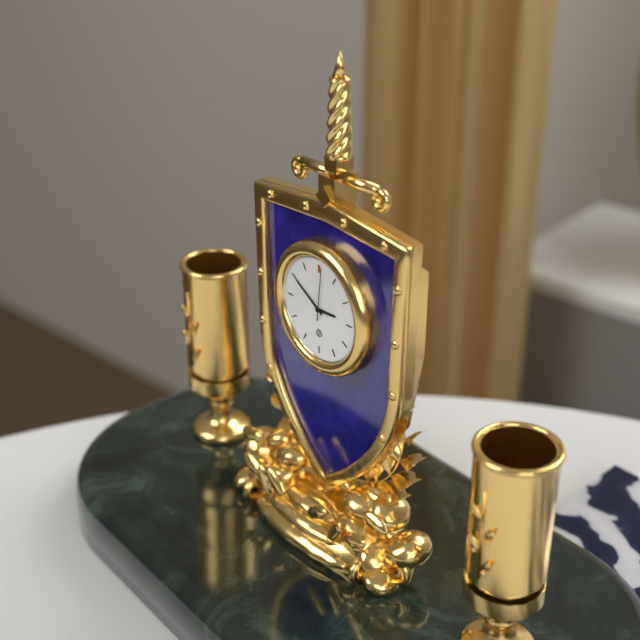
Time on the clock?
2:50:01
